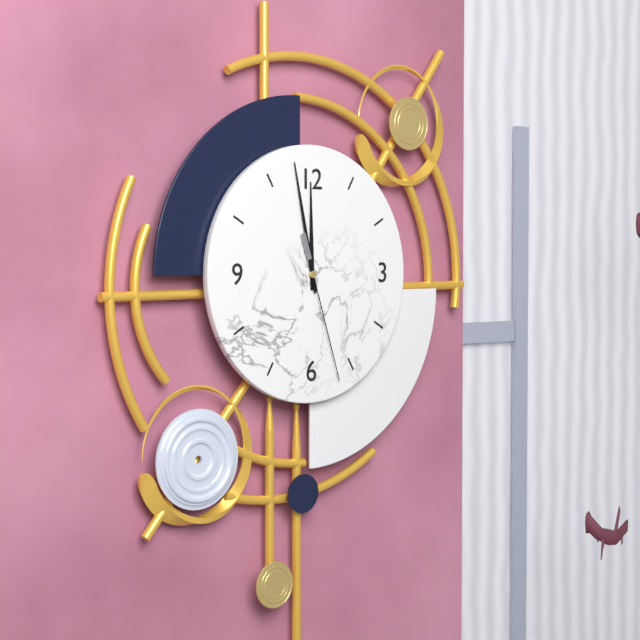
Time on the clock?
11:58:27
